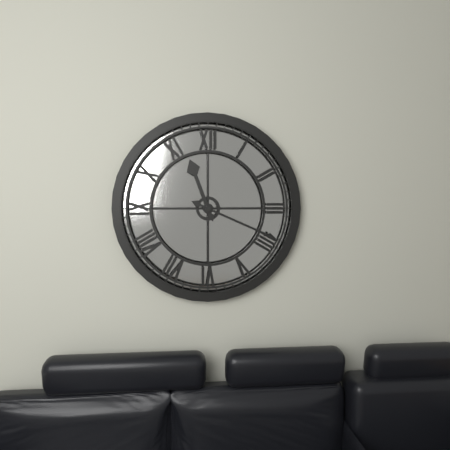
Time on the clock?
11:19
